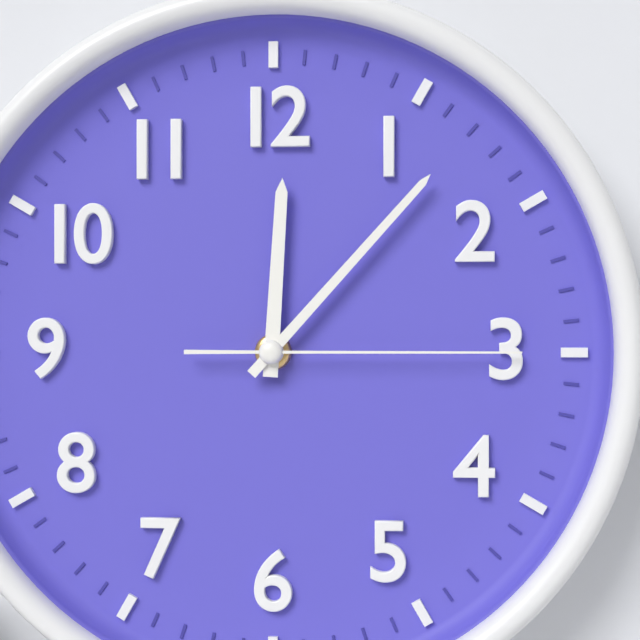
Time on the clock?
12:07:15
